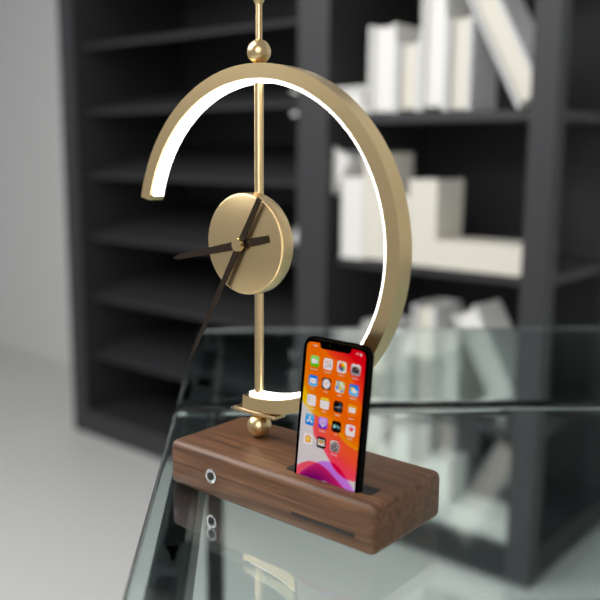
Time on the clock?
8:35
